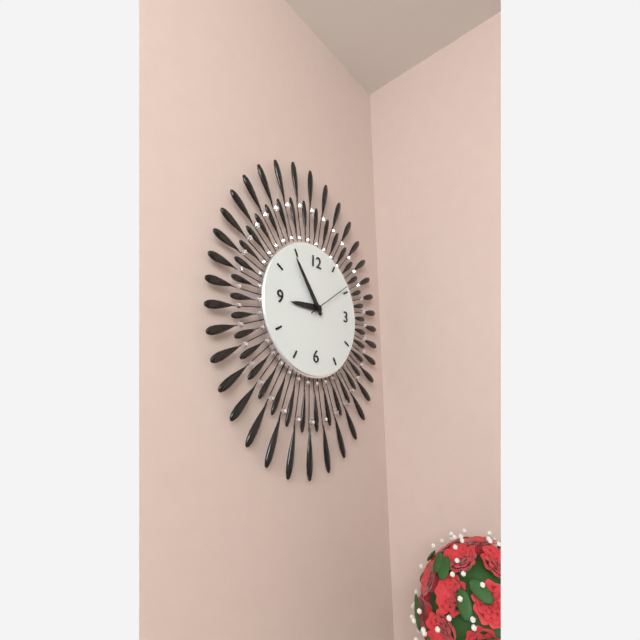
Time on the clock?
8:54
